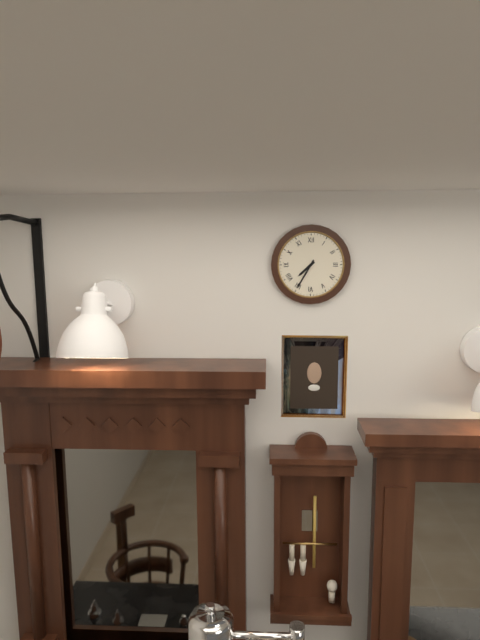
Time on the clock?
7:35
